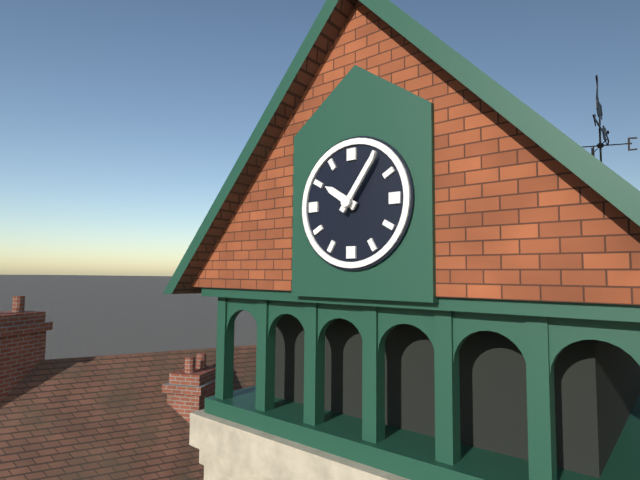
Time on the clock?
10:06
